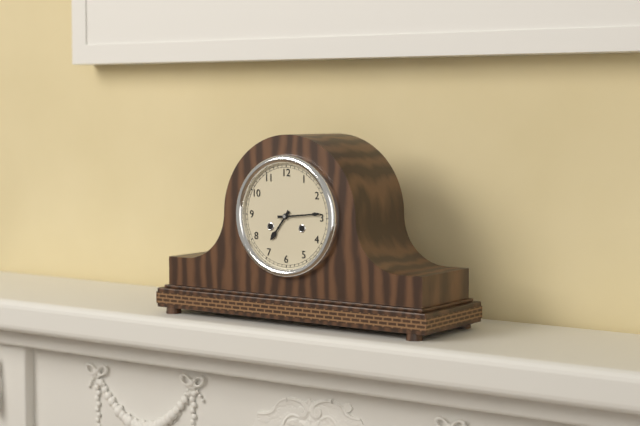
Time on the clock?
7:14
